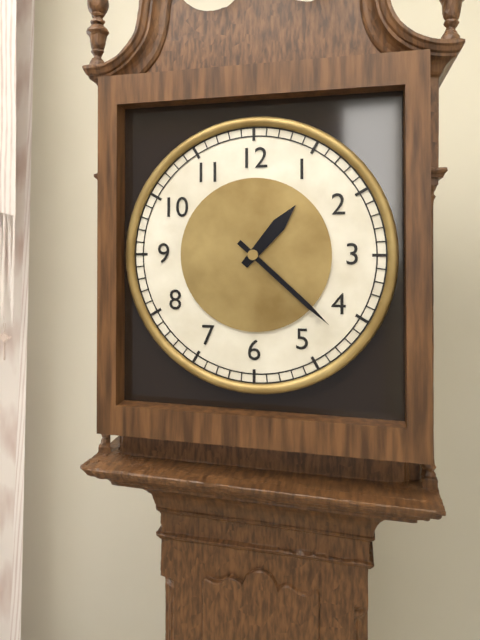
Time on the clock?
1:22
